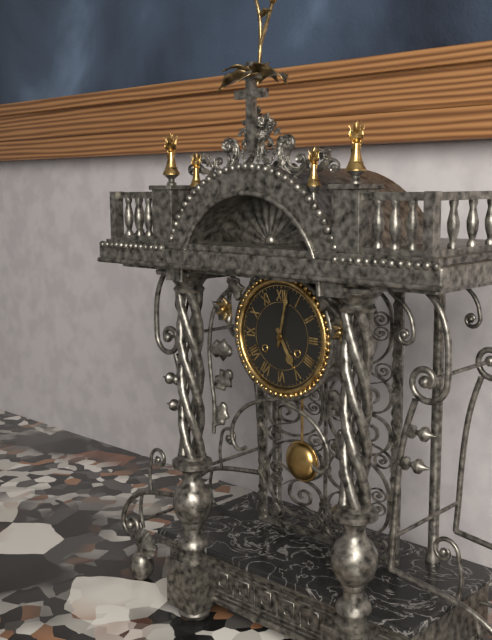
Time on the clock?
5:02
